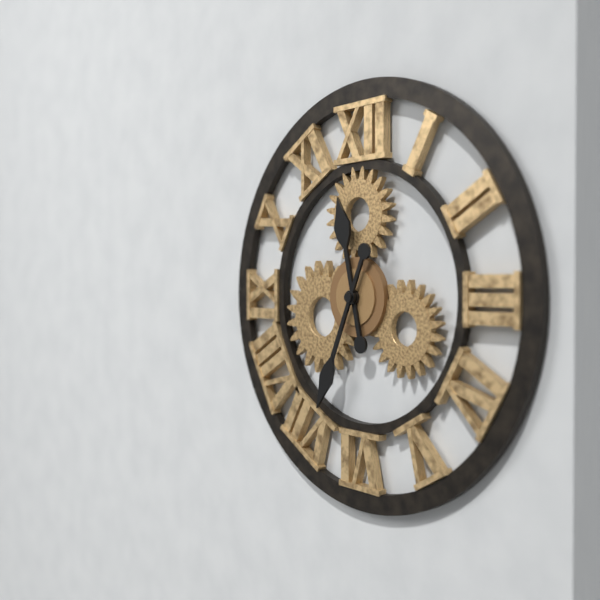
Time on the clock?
11:34
